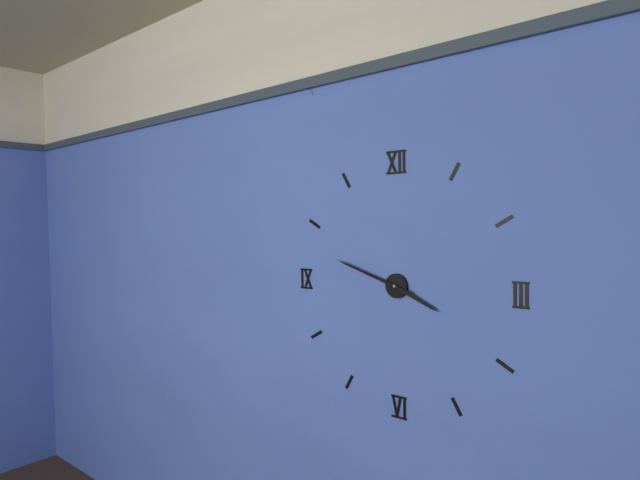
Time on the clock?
3:48
